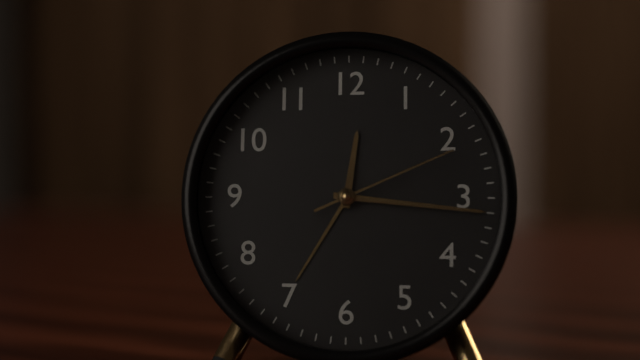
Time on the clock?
12:16:11
